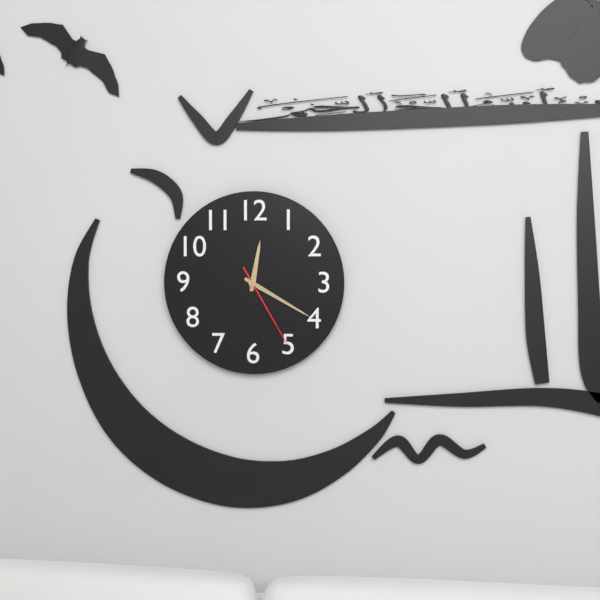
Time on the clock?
12:20:25
